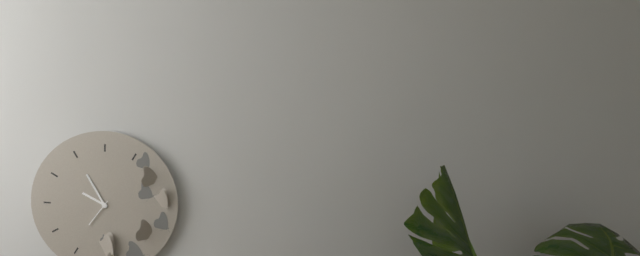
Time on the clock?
9:55
